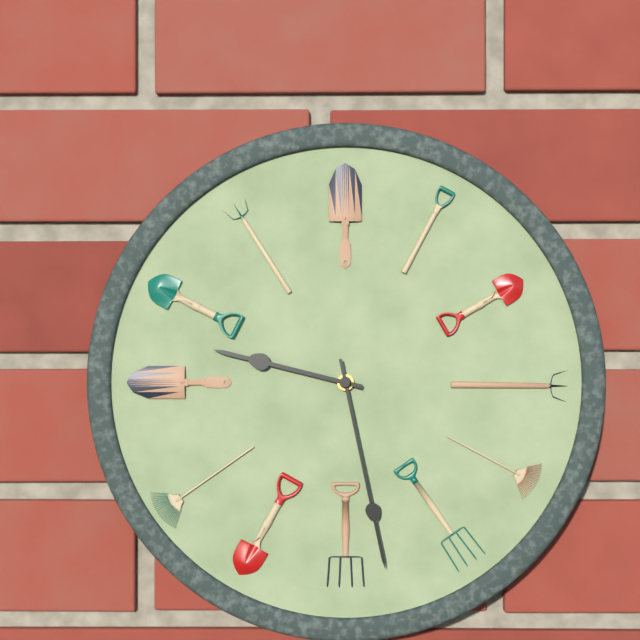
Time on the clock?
9:28
